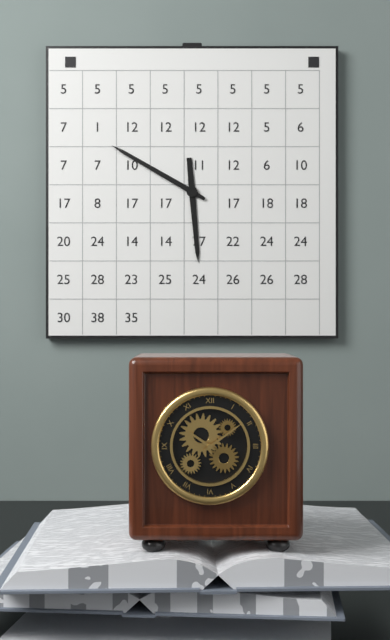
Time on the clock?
5:50
